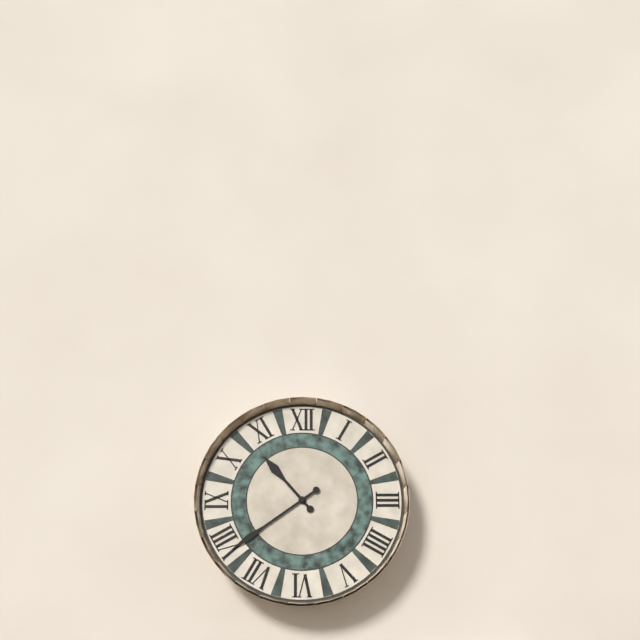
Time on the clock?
10:39
